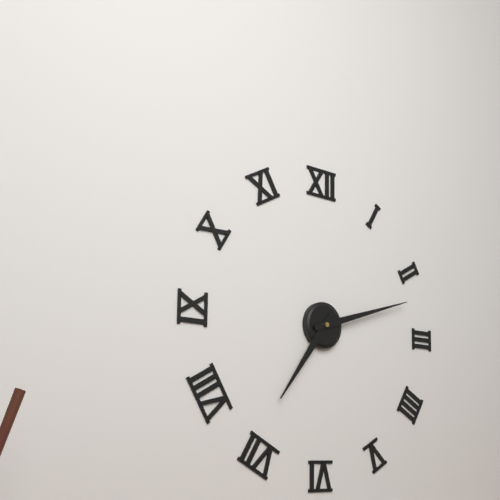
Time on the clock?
7:12
